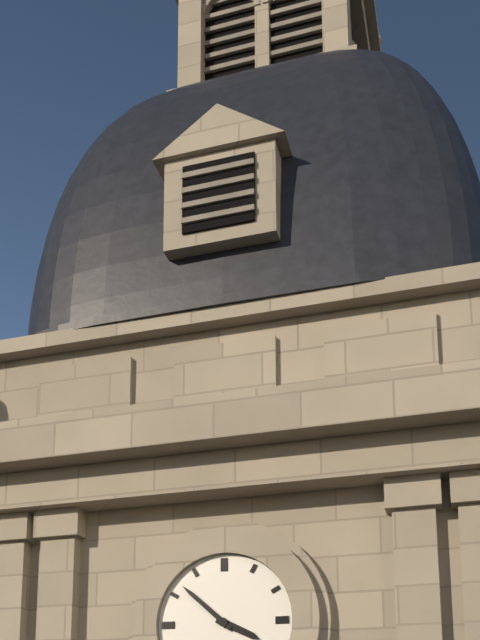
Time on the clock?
3:52
